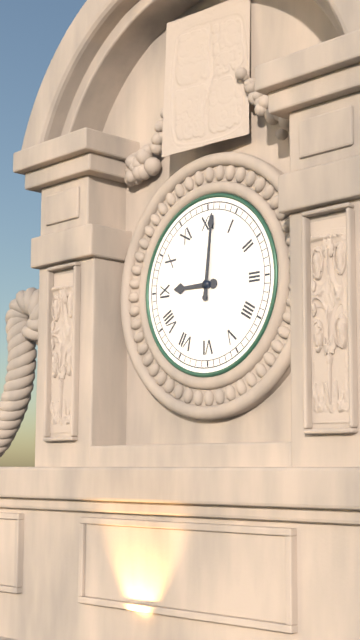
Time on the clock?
9:01
